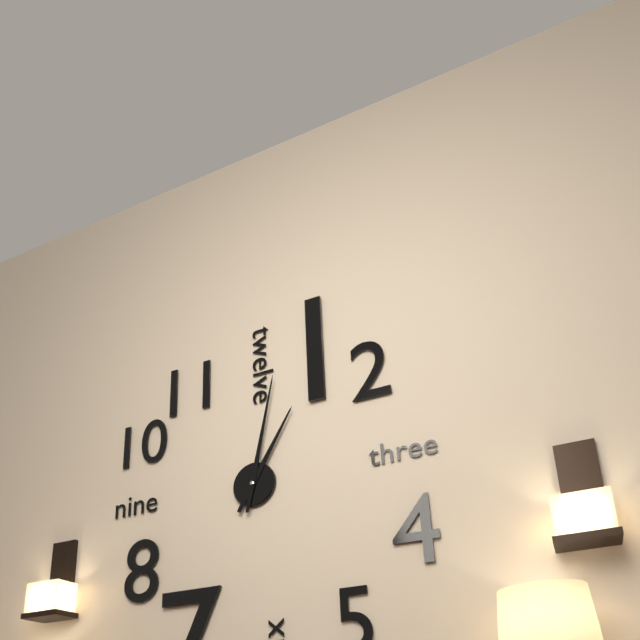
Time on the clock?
1:02
